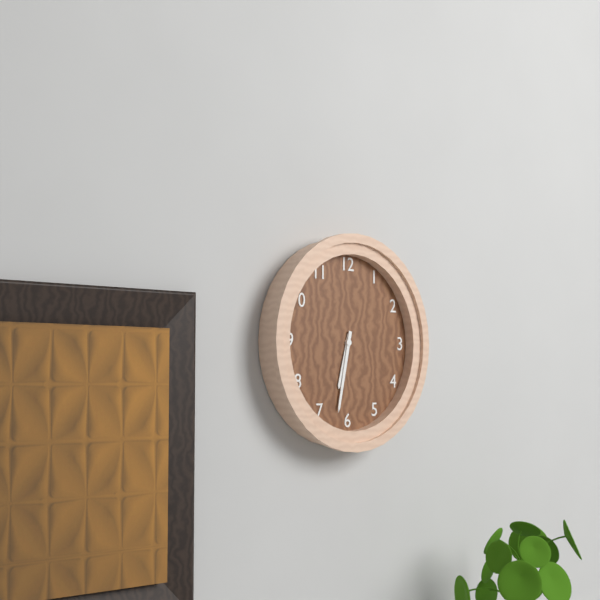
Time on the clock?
6:32
